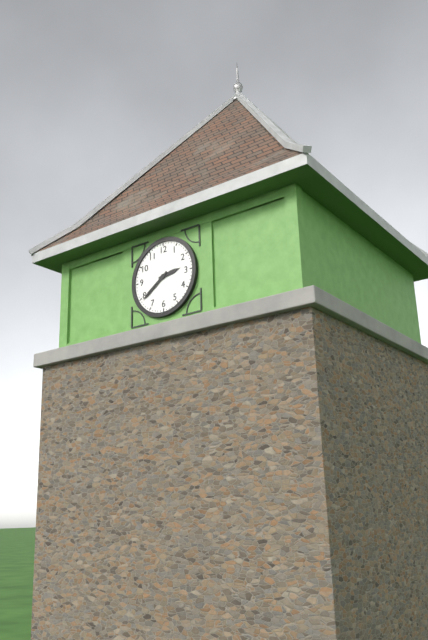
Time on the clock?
2:39
